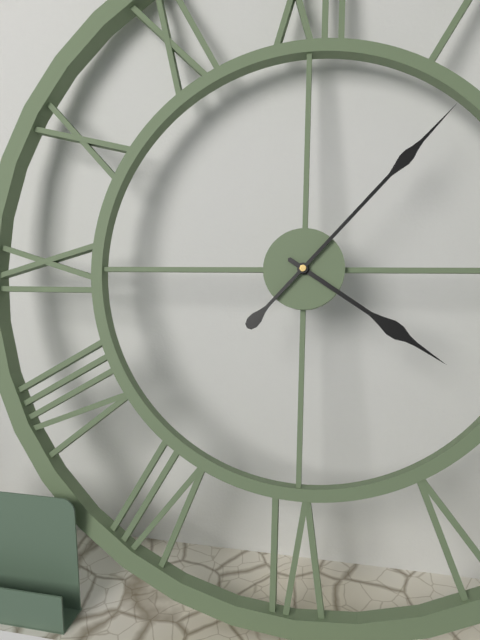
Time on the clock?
4:07
